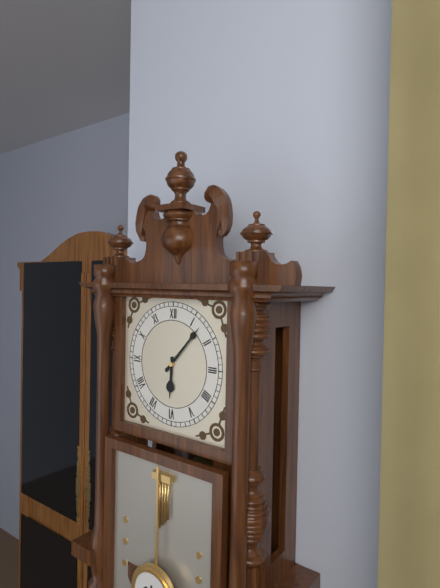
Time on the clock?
6:07
